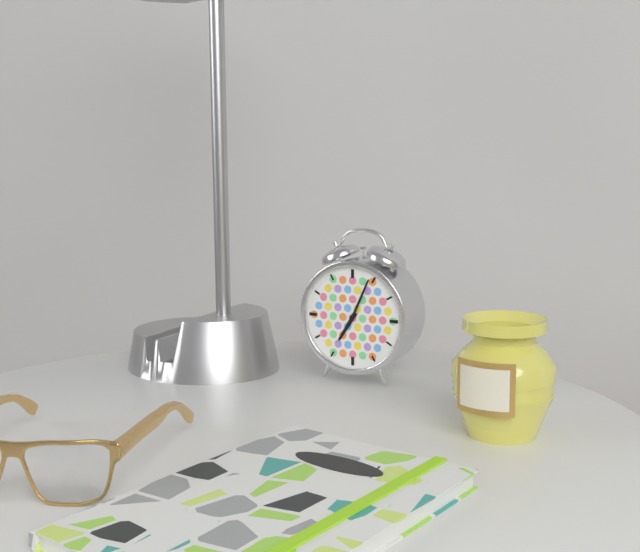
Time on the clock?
7:04
